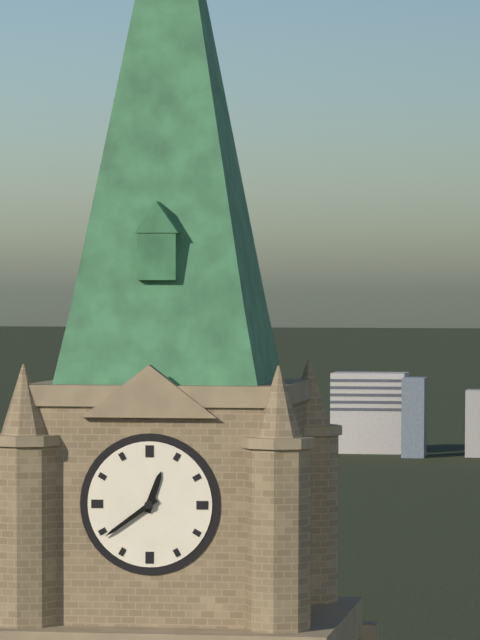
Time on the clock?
12:39
